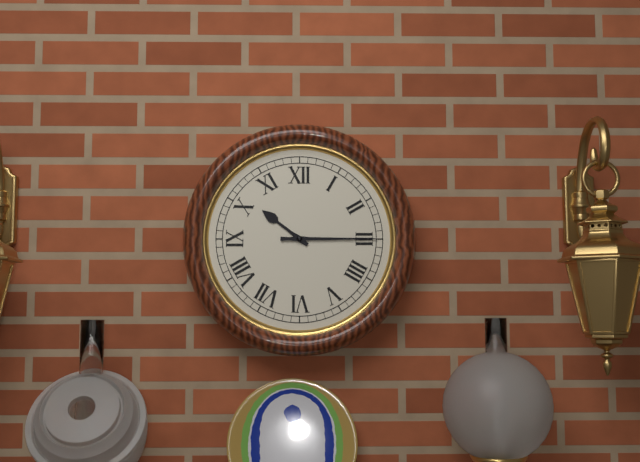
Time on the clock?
10:15
